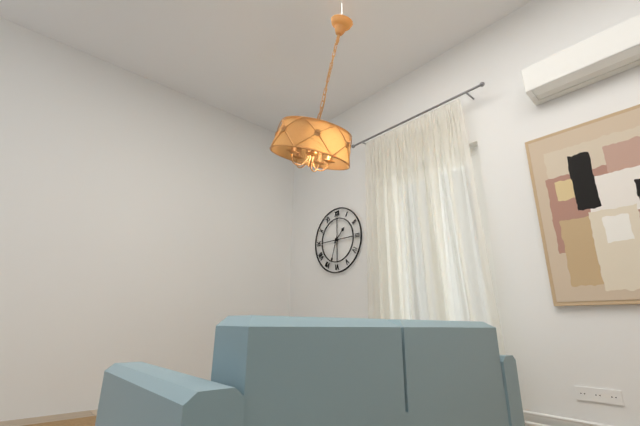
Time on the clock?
1:33
